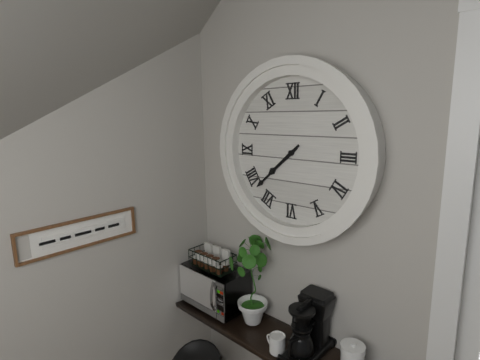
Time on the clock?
7:38
